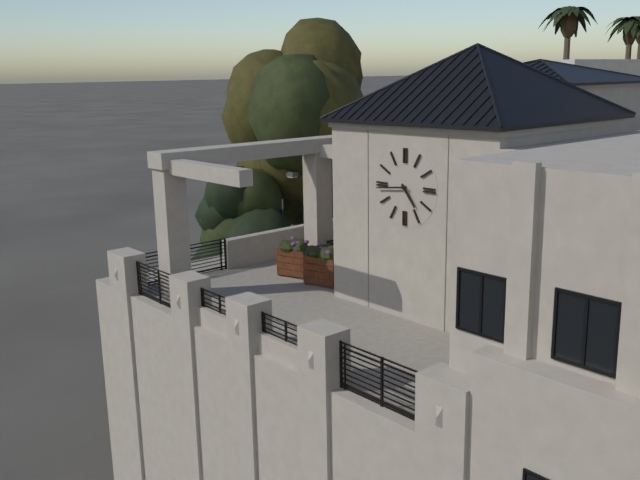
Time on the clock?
4:44
